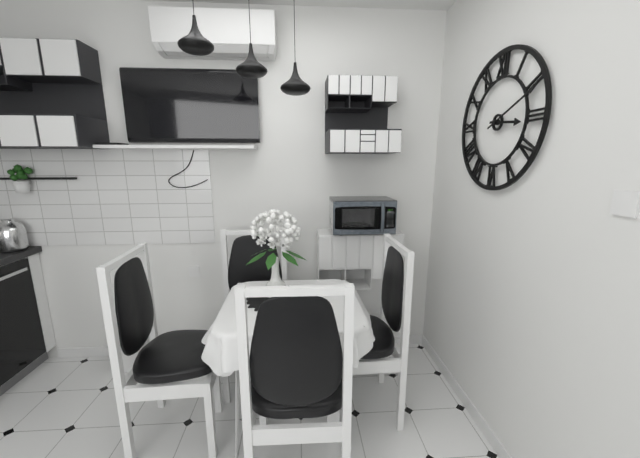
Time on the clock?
3:11
